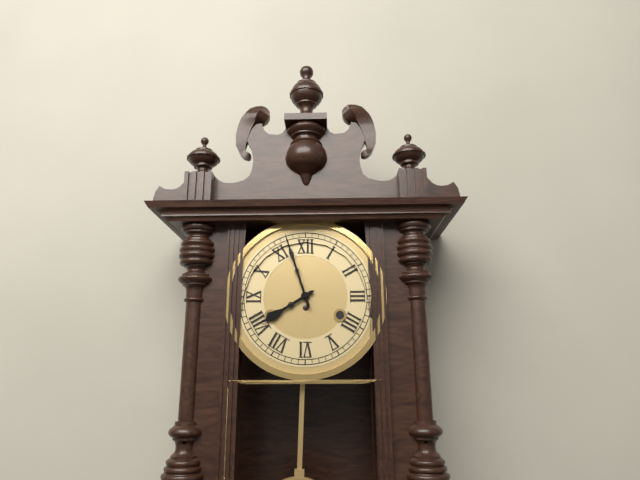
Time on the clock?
7:57
